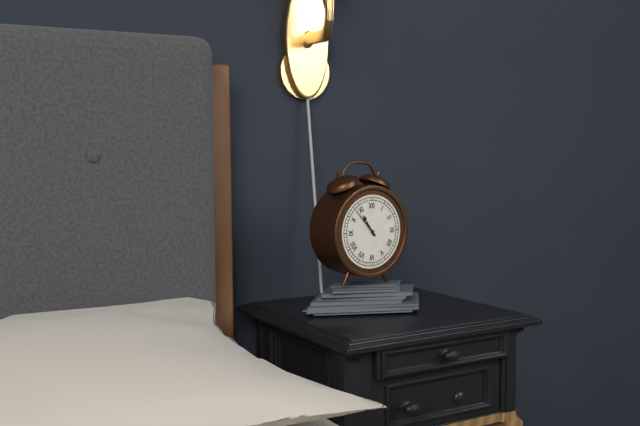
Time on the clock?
10:53
